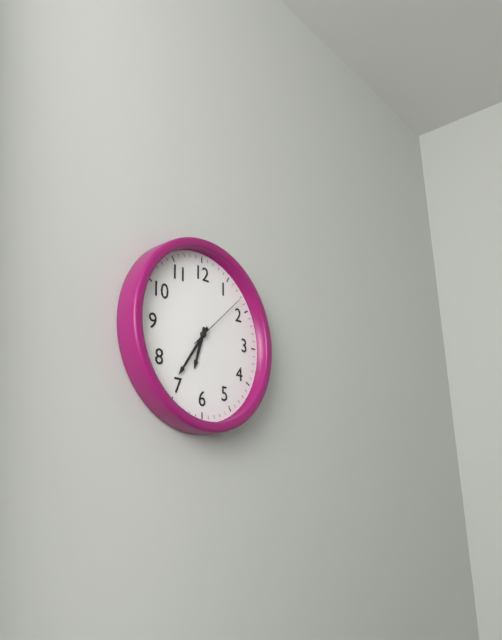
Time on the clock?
6:36:08
